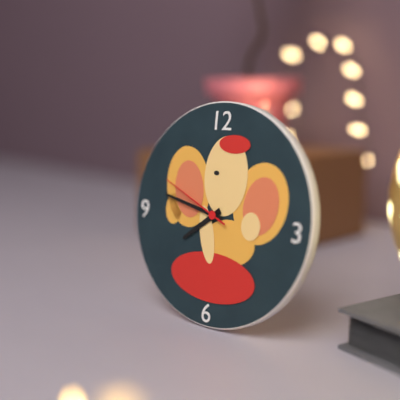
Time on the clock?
7:47:49
